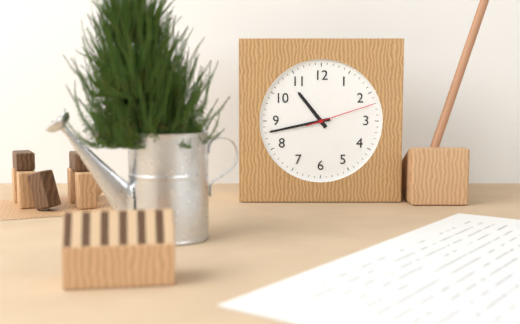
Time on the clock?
10:43:12
